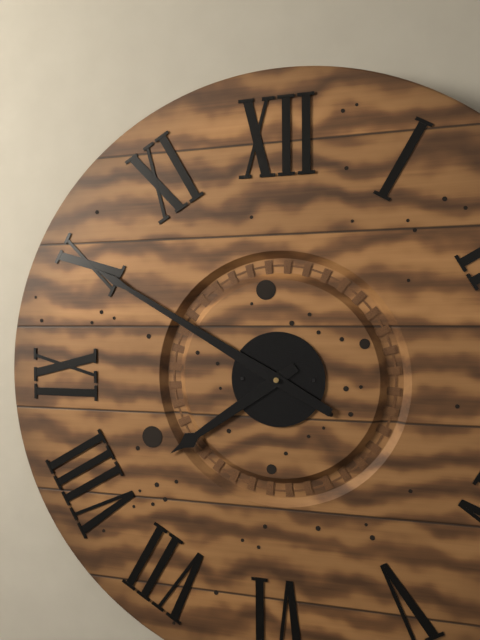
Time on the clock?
7:50
